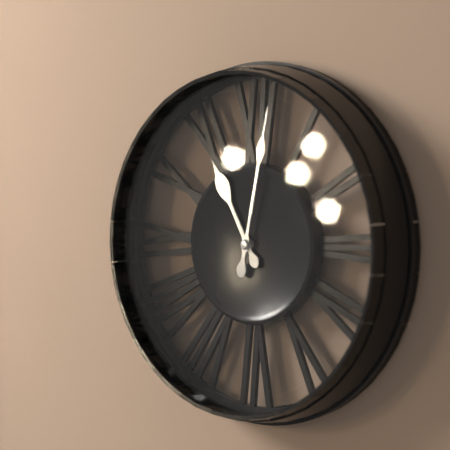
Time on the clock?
11:02
